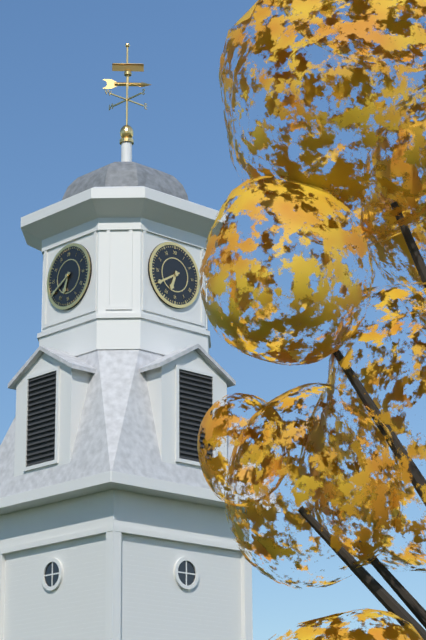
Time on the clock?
6:40
